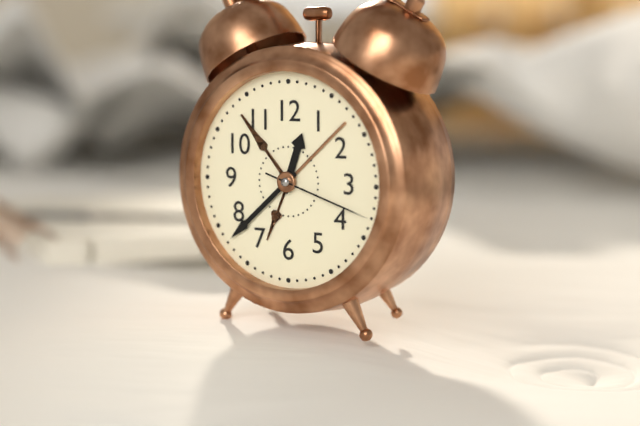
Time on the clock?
12:38:18
